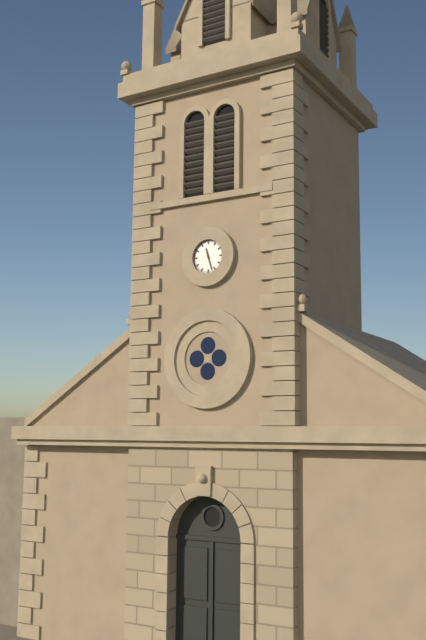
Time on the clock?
11:27
